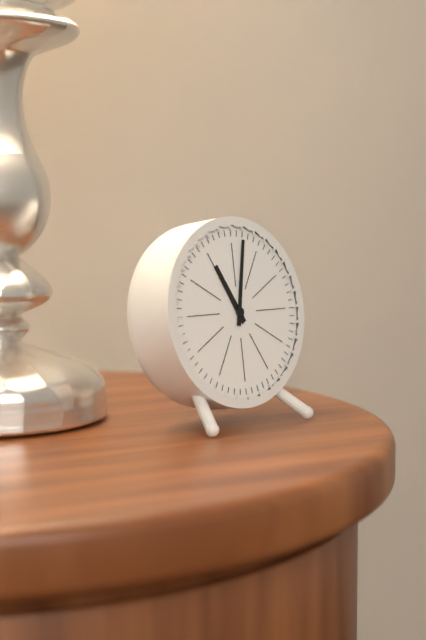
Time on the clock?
11:02
